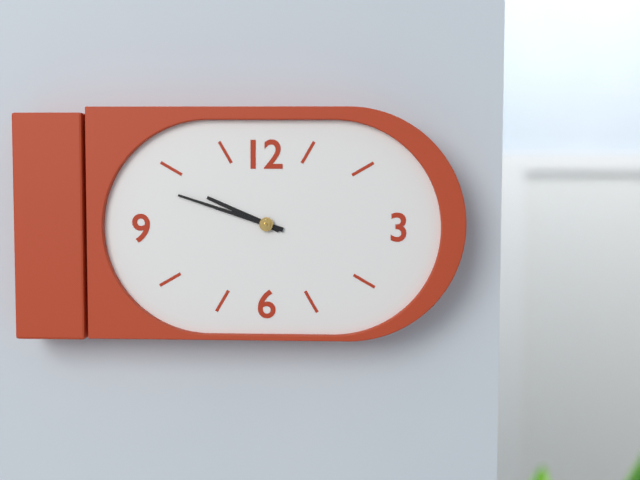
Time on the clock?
9:48
